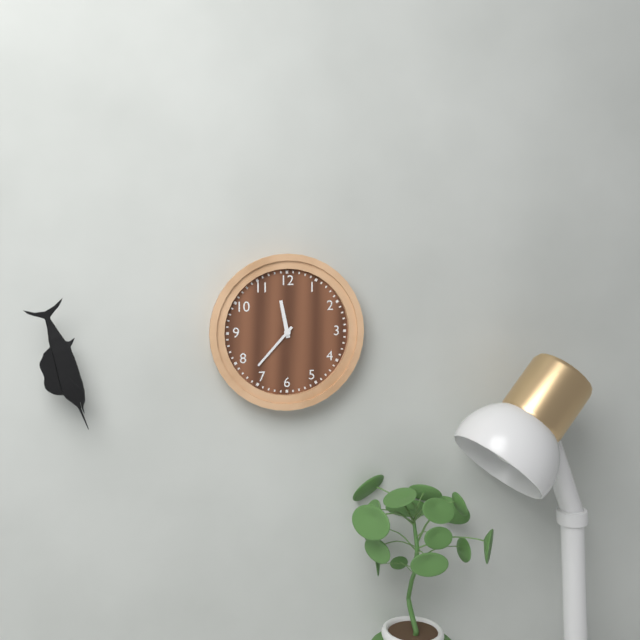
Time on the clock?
11:37
